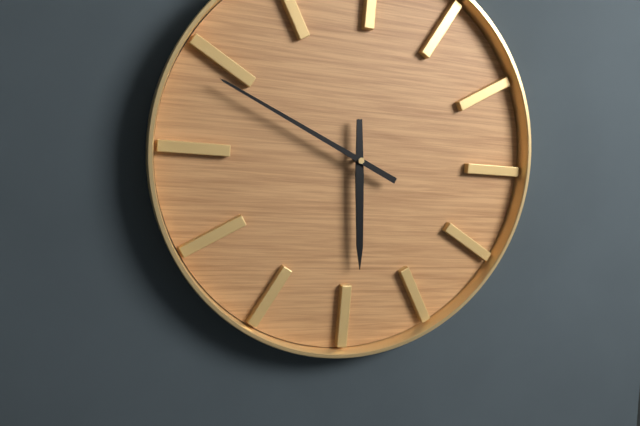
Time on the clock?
5:49
